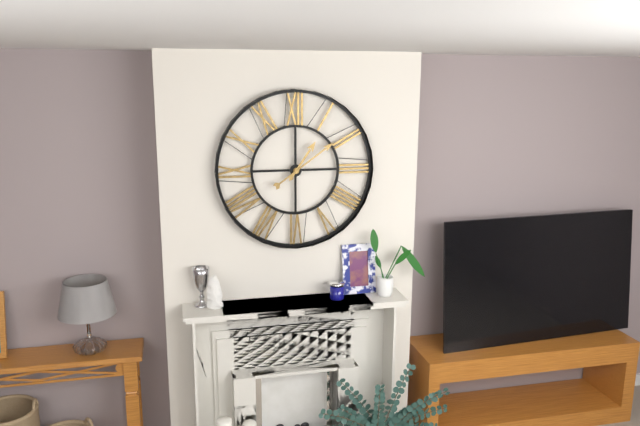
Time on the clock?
1:09
